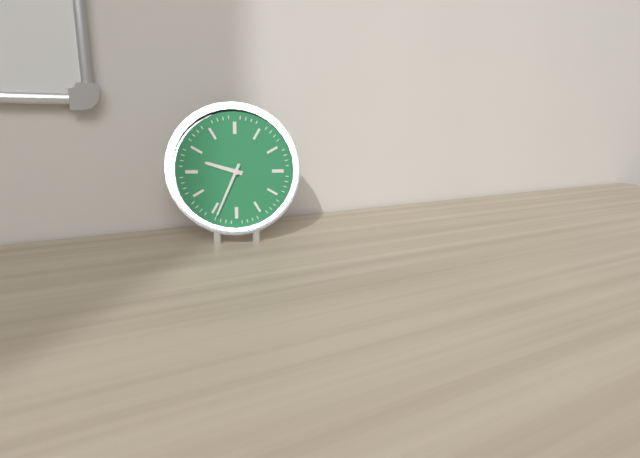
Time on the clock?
9:34
